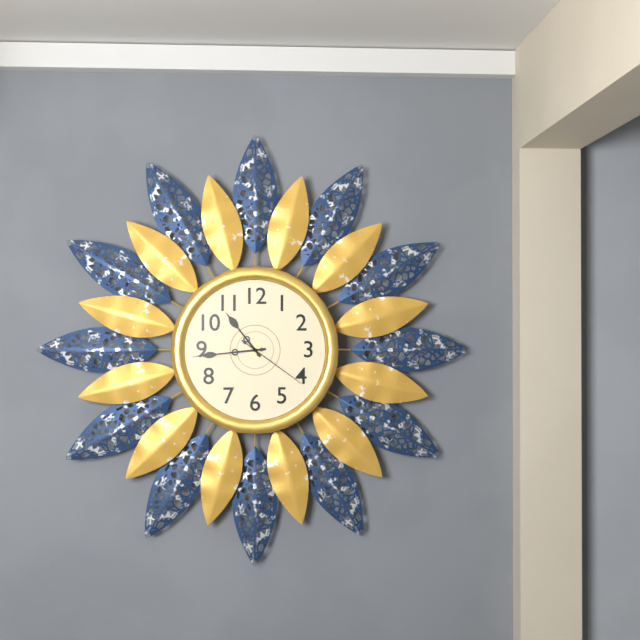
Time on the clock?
10:44:21
